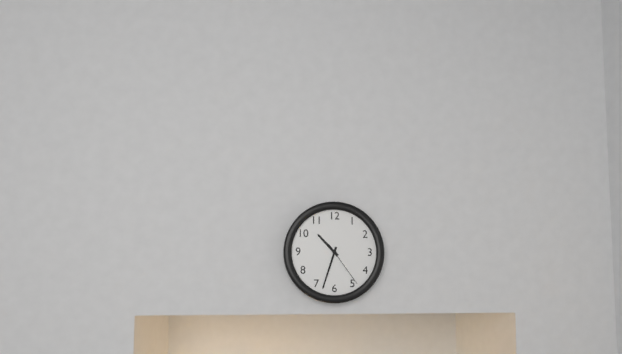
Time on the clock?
10:33
